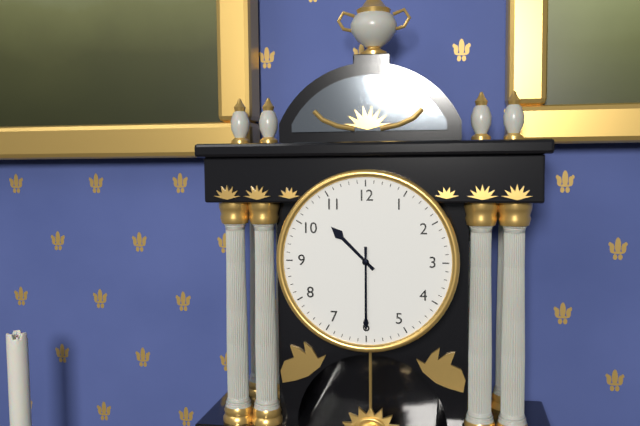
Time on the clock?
10:30
